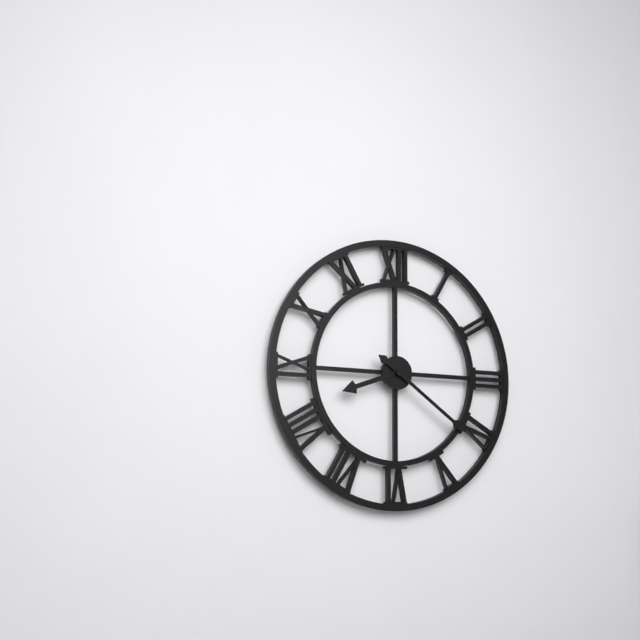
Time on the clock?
8:21
